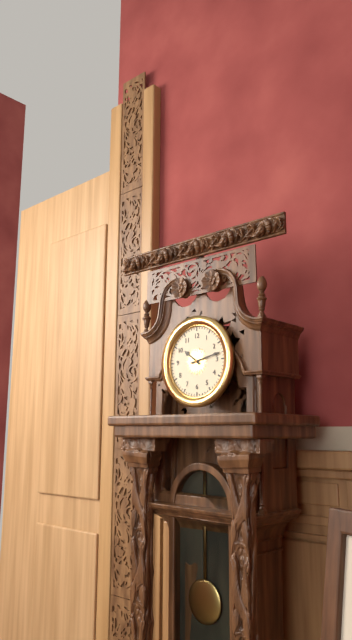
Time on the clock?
10:13
